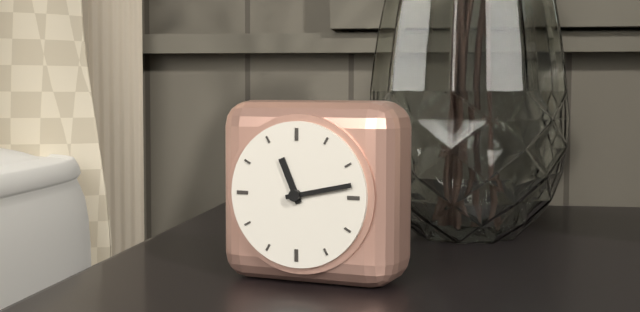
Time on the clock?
11:13
